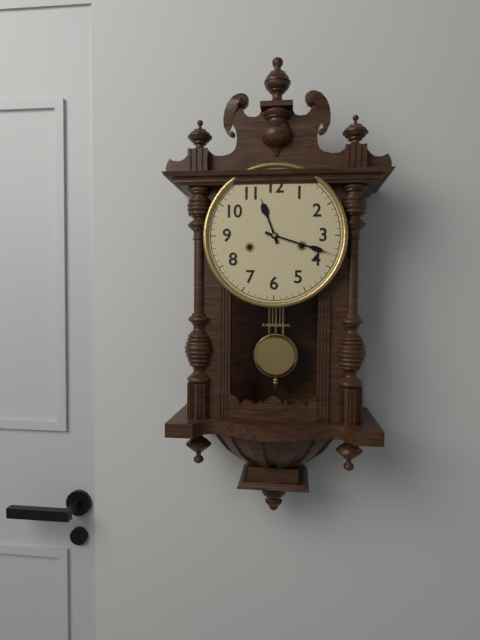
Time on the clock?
11:18
